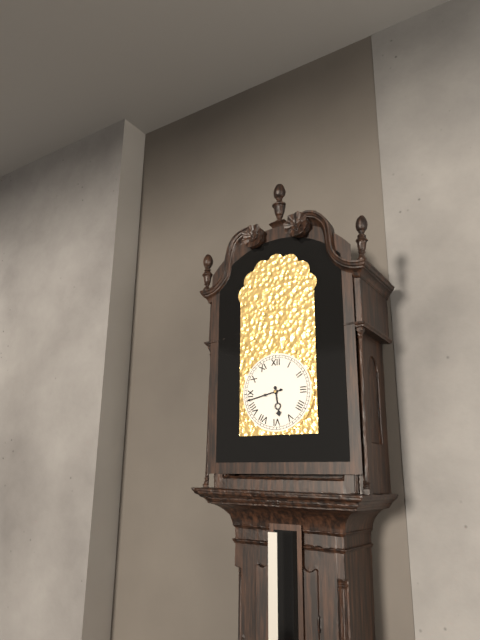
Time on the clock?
5:43
